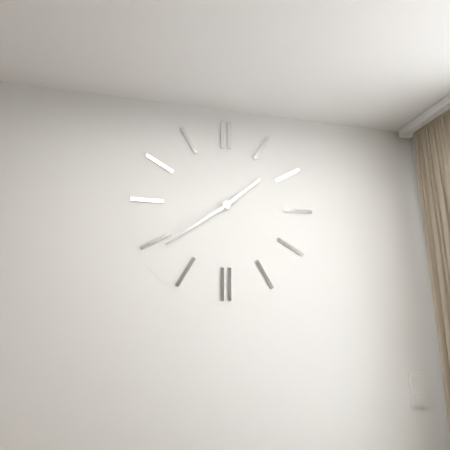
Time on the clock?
1:39
